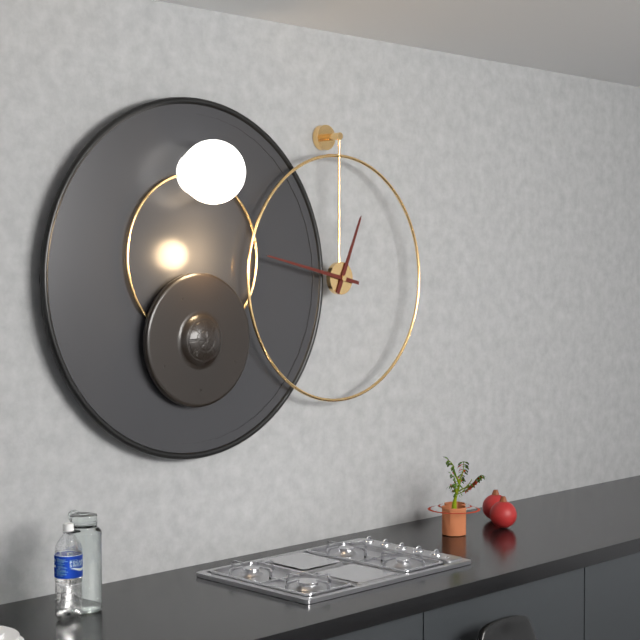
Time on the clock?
12:47
